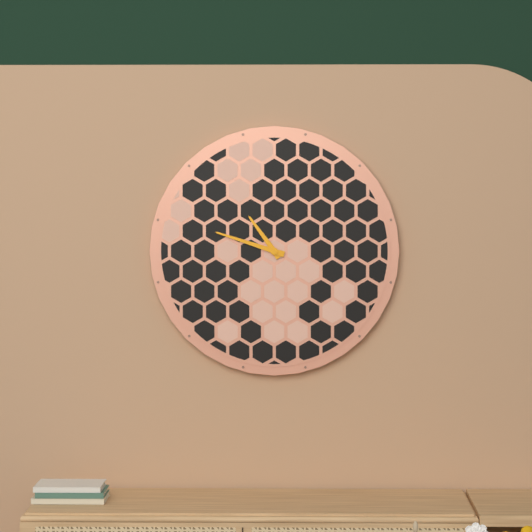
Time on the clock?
10:48
